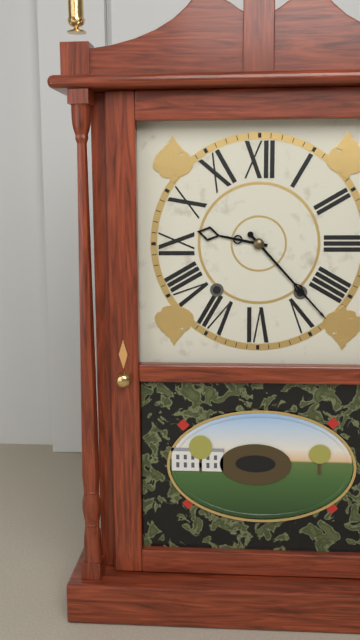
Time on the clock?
9:23
